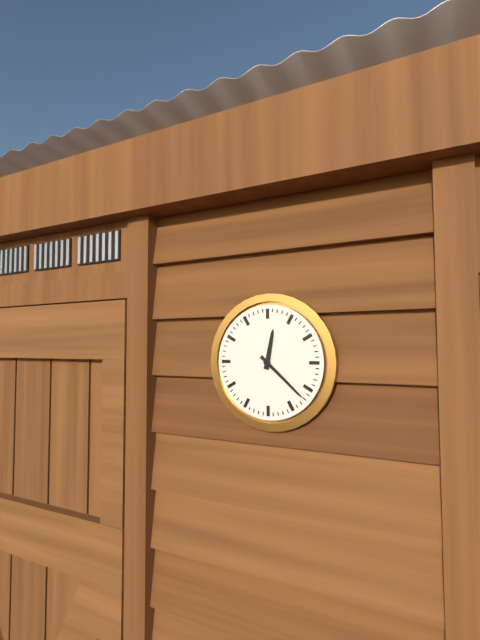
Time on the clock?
12:22
